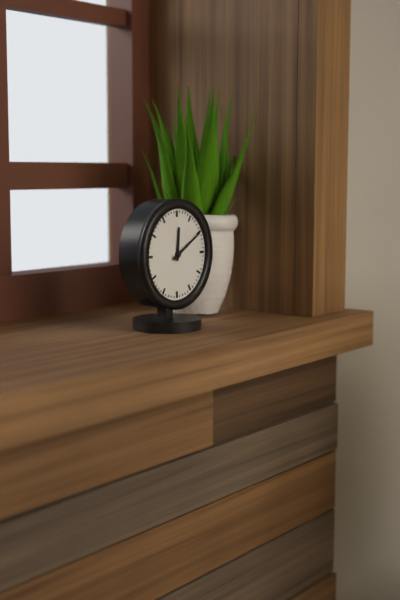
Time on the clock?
12:10
